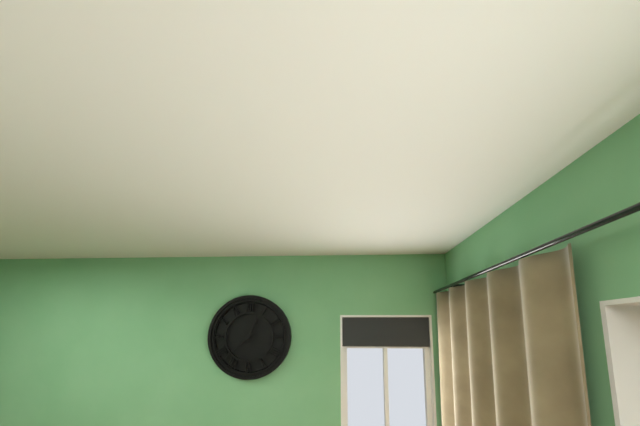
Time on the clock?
12:38
